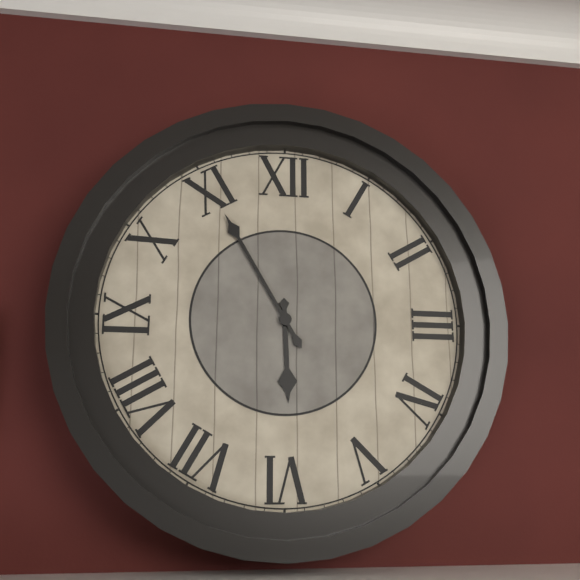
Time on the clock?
5:55
